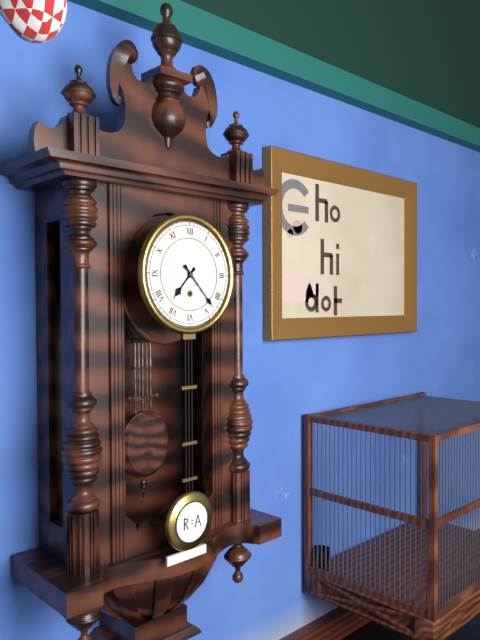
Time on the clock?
7:23
